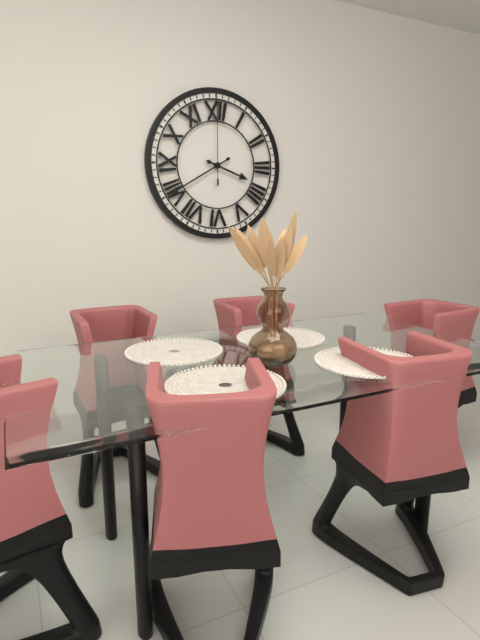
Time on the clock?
3:40:00
